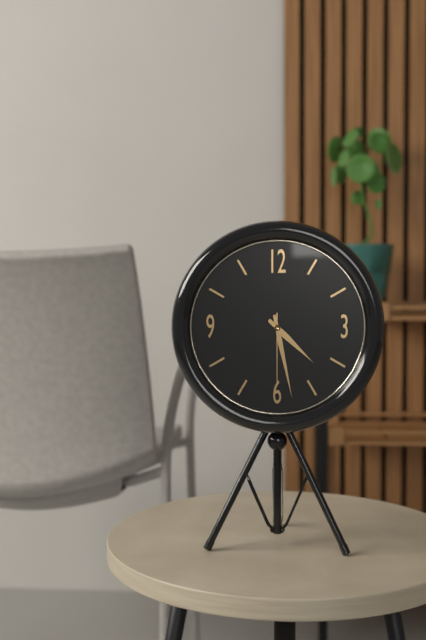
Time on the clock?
4:28:30
